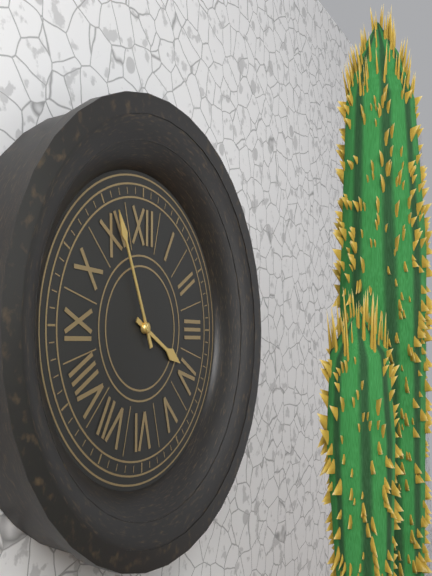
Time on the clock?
3:56
